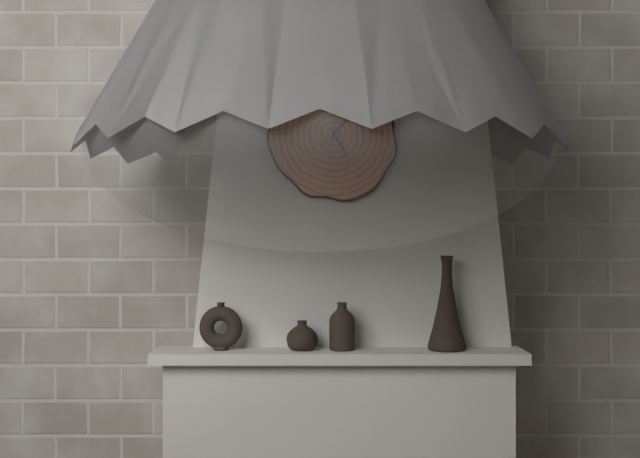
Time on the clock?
1:25
